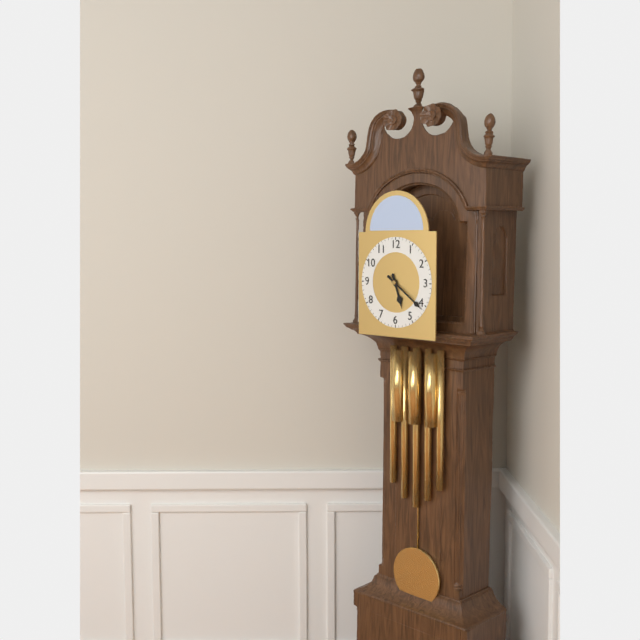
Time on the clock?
5:21
